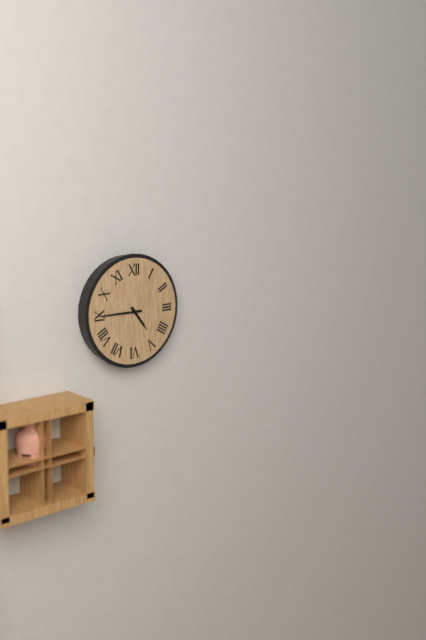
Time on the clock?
4:45
